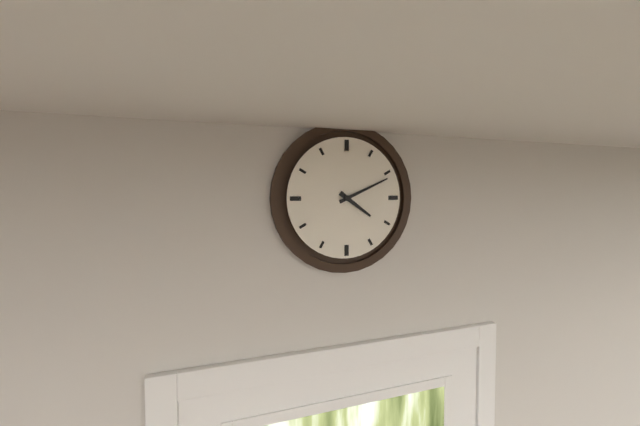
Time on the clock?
4:11
